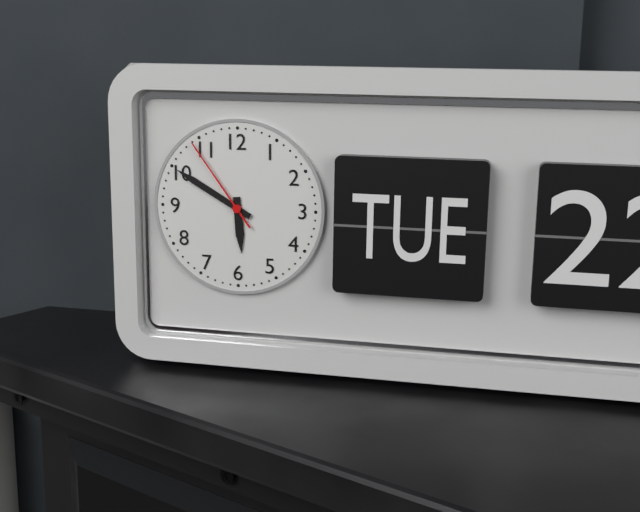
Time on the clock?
5:50:54
